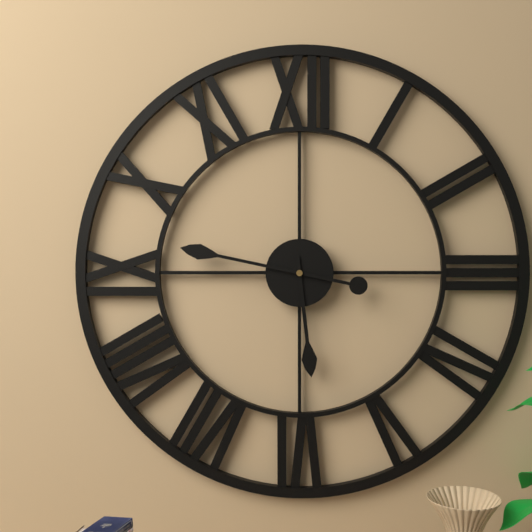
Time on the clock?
5:47
